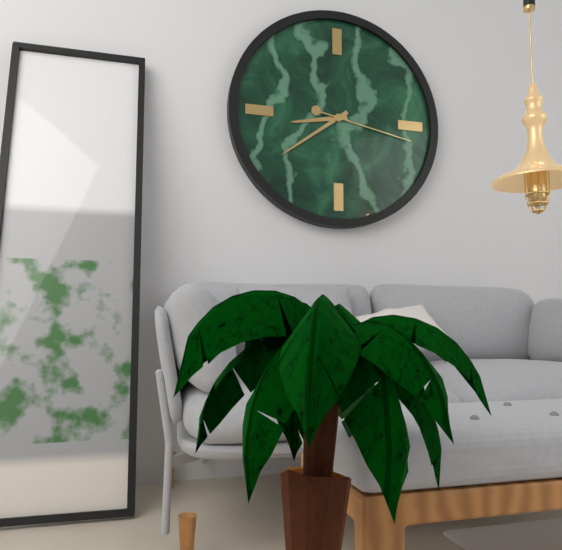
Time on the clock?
8:39:17
